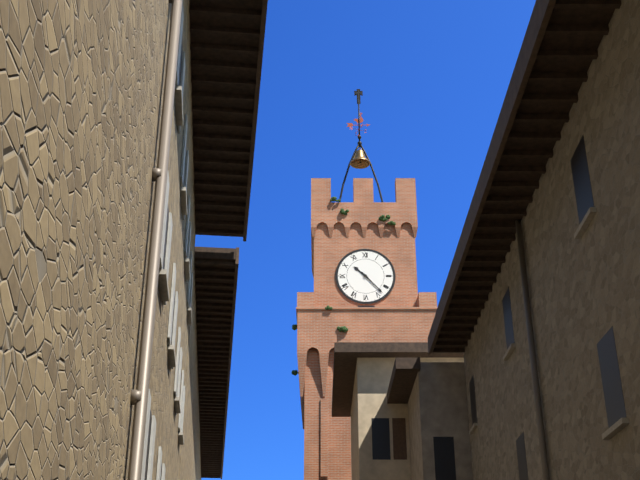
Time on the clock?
10:23
